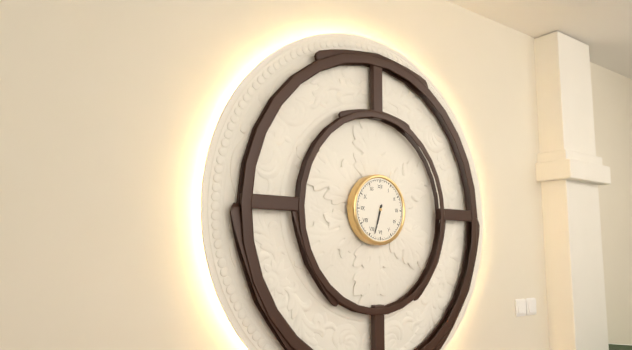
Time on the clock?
6:33
